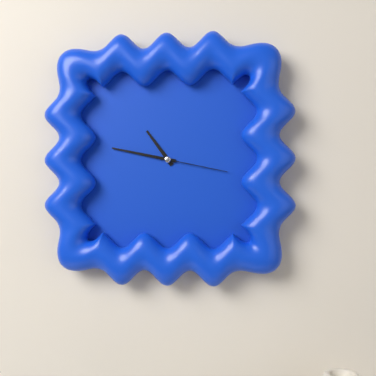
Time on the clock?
10:47:17
